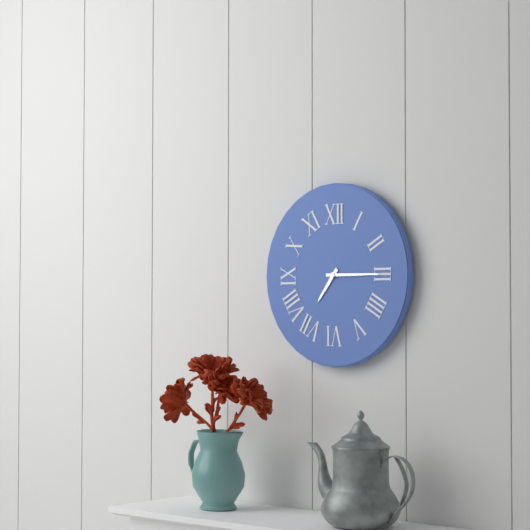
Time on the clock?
7:15
